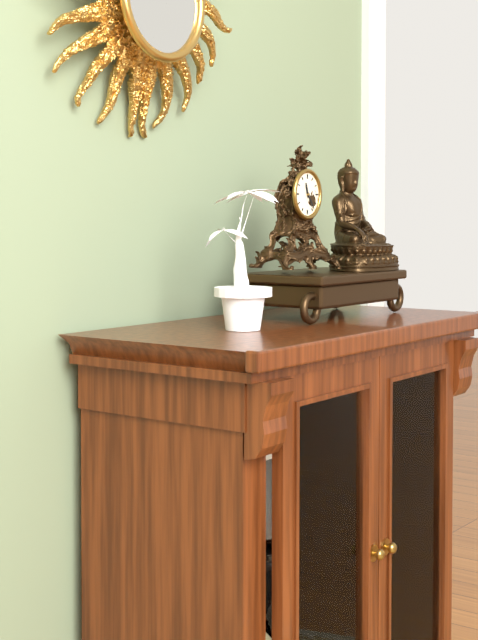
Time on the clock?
11:24
